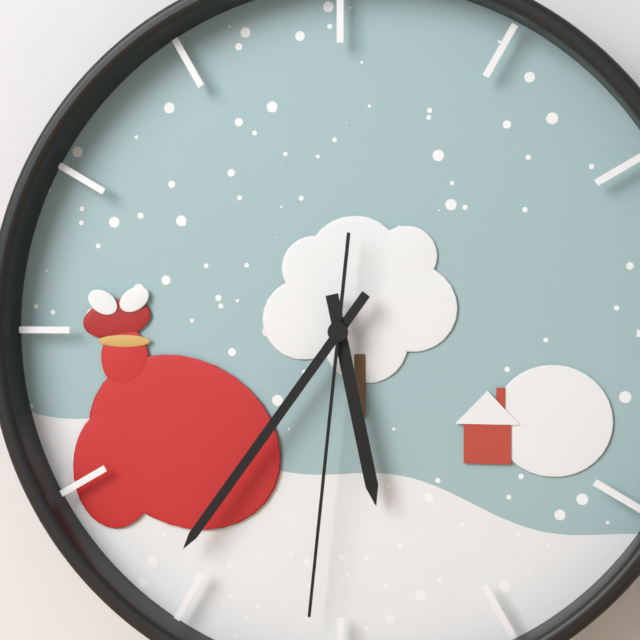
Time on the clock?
5:36:31
